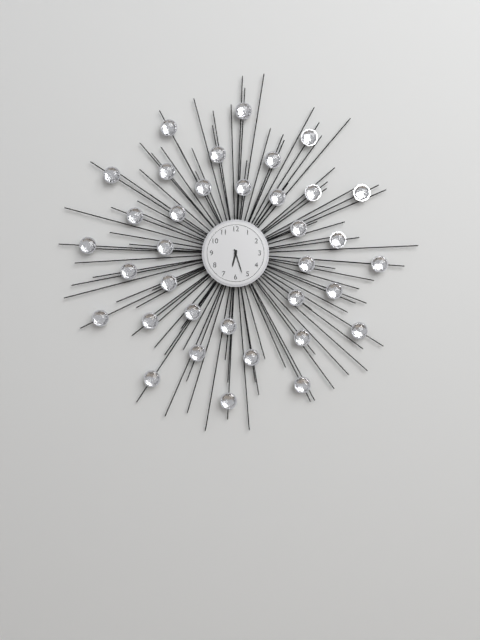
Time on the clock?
6:27
